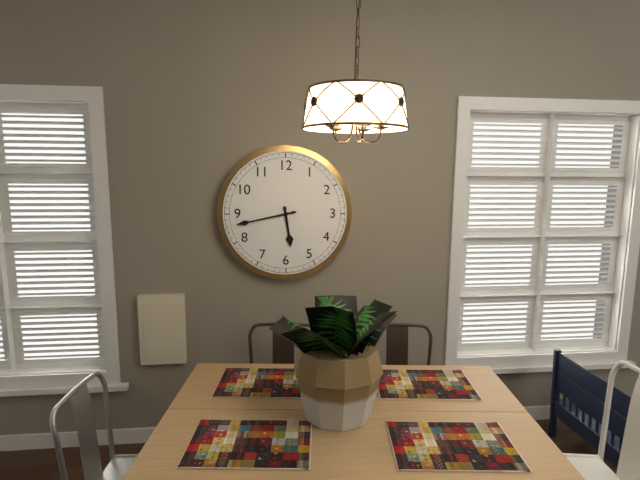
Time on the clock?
5:43
